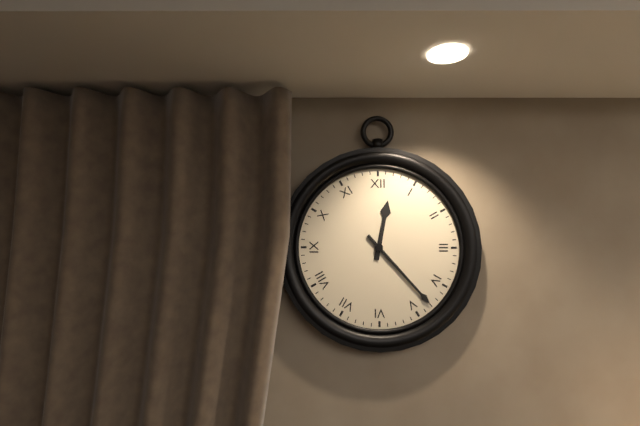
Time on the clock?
12:23
